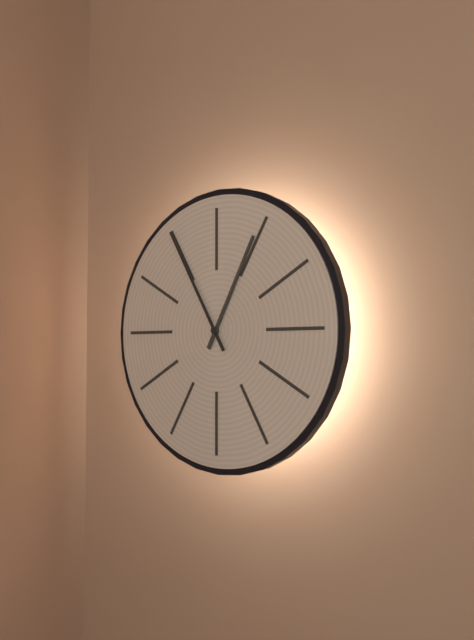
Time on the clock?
12:55
